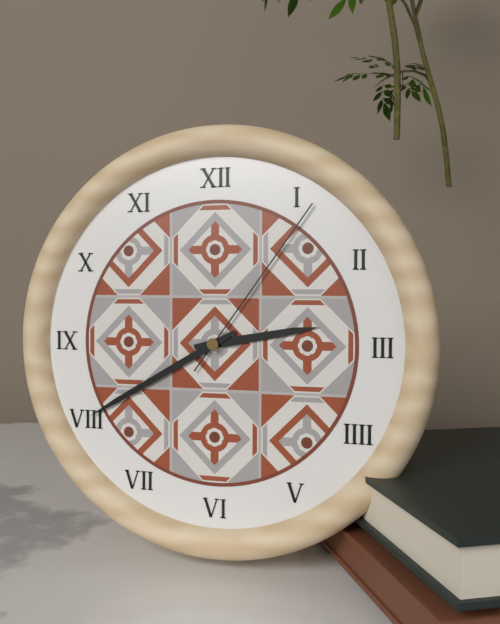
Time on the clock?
2:40:06
